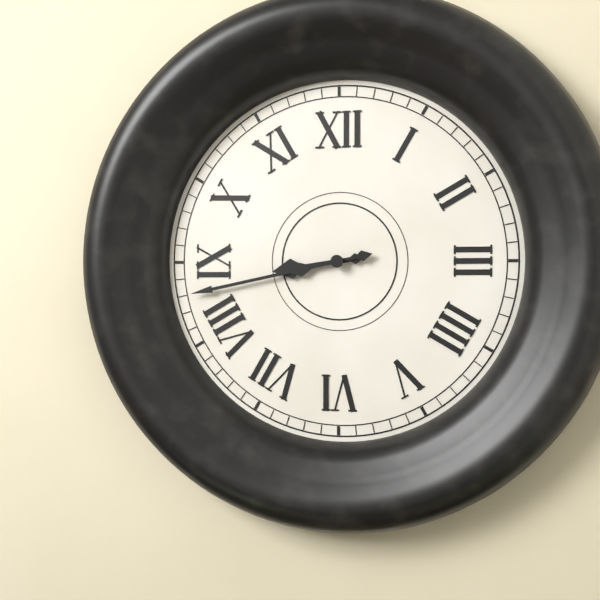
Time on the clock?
8:43
